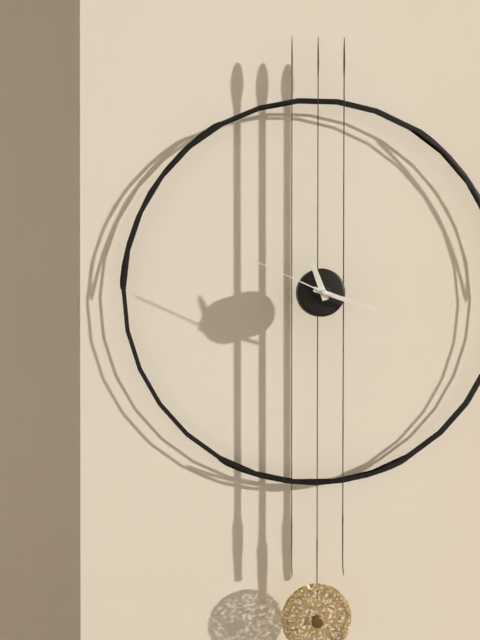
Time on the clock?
11:18:49
